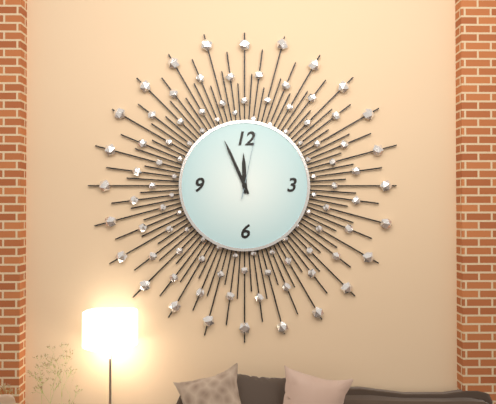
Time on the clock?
11:56:02
